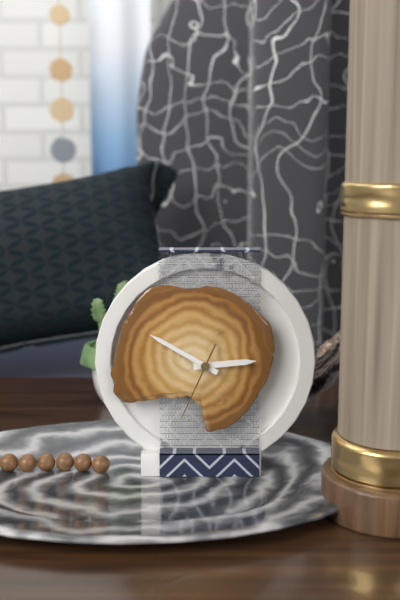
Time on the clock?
2:50:34
